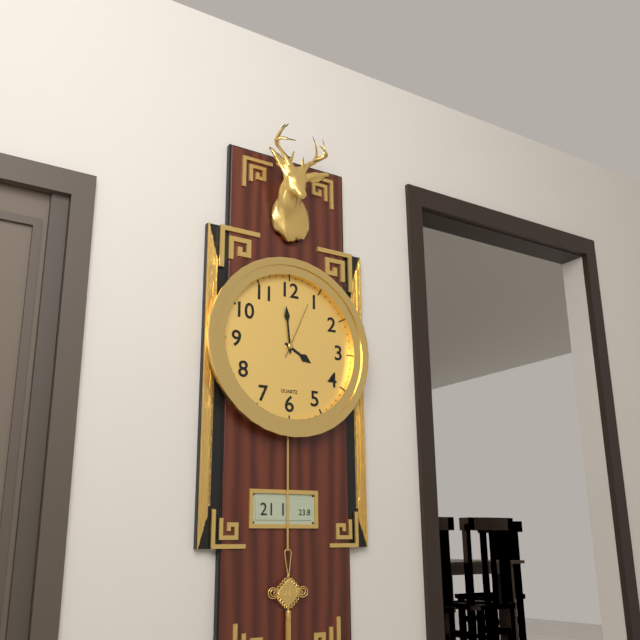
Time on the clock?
3:59:04
